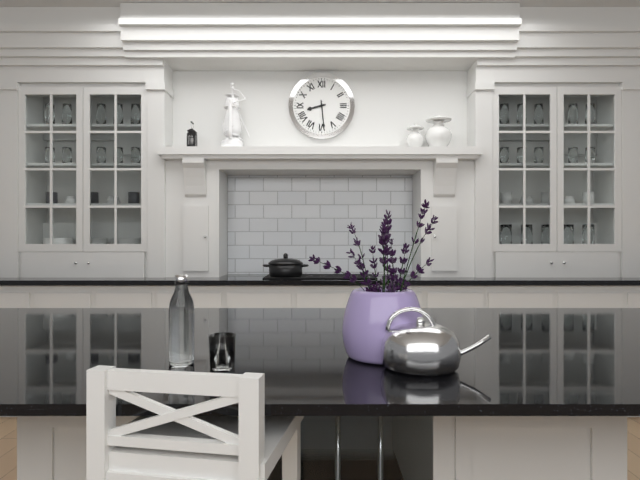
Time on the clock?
8:29
